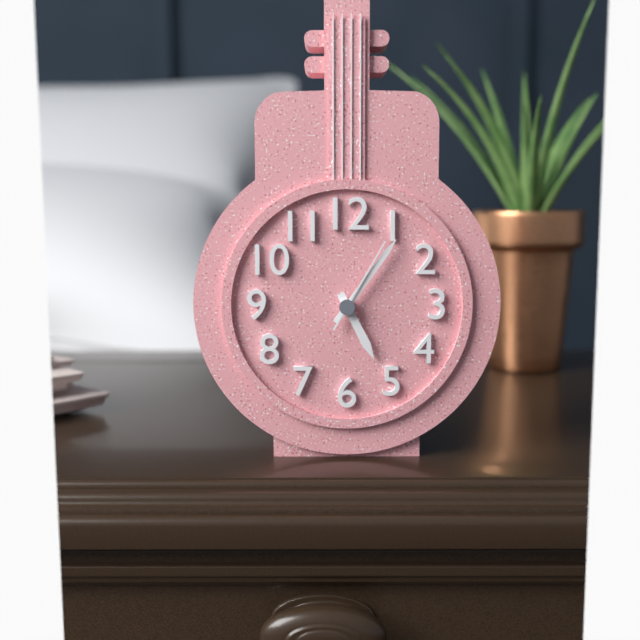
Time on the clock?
5:06:05
